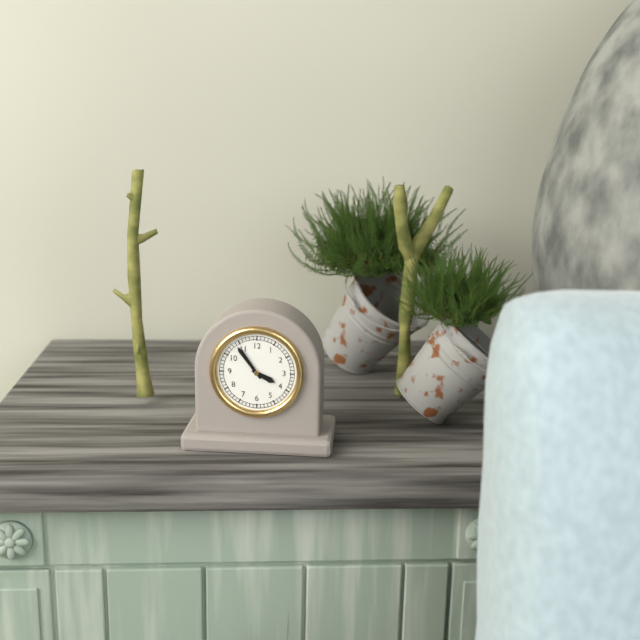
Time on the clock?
3:54
